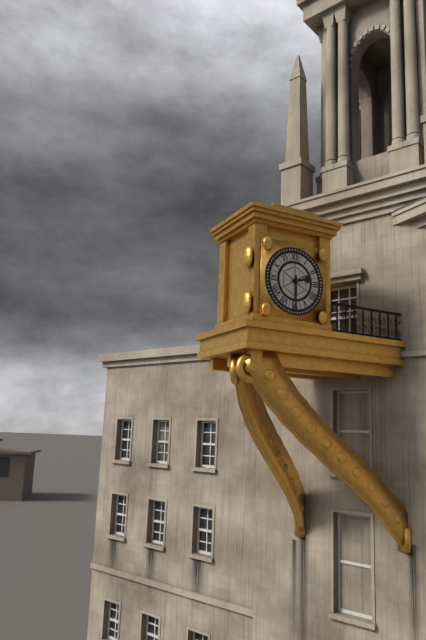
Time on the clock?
2:30
